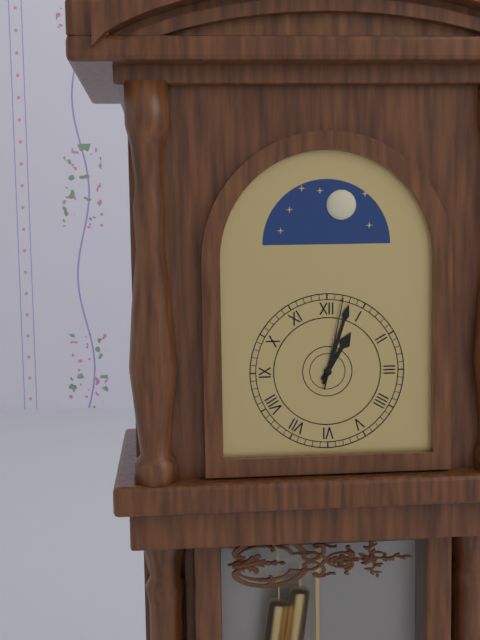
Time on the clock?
1:03:02
